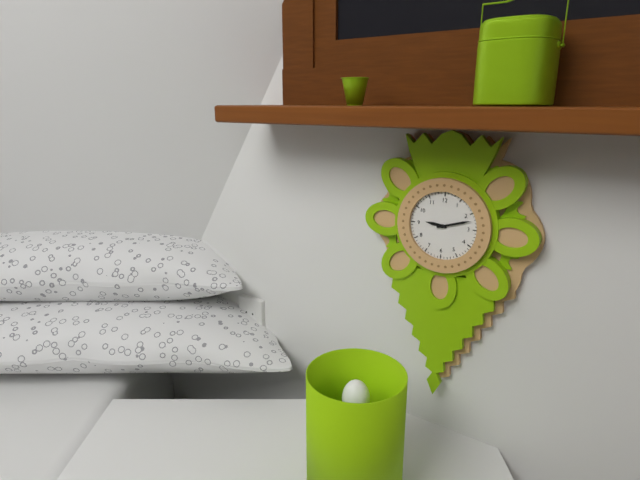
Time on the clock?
9:12
